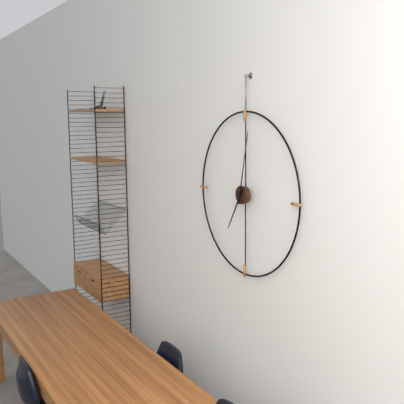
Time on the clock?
7:02
